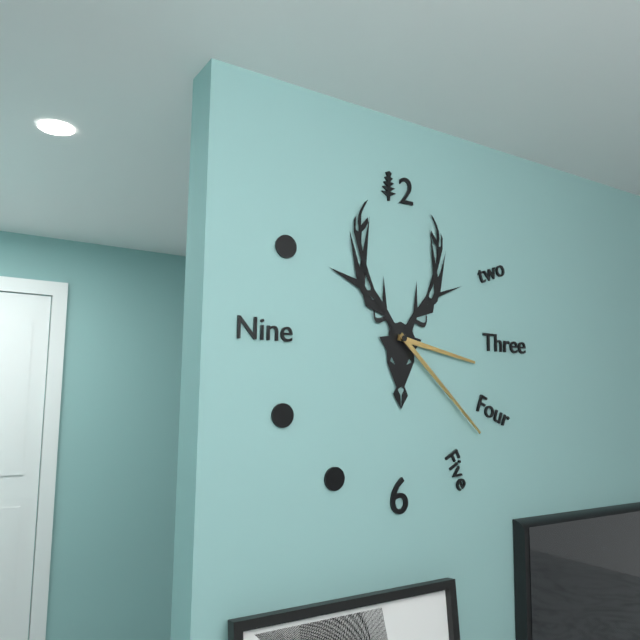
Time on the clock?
3:22
